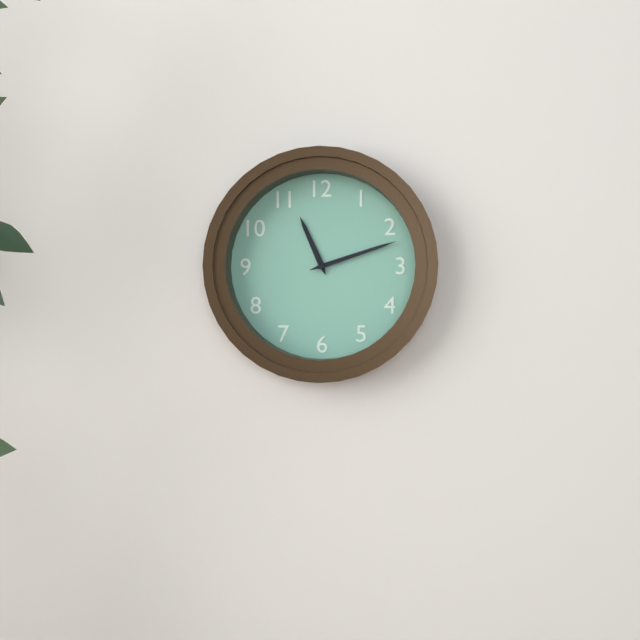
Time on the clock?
11:12
